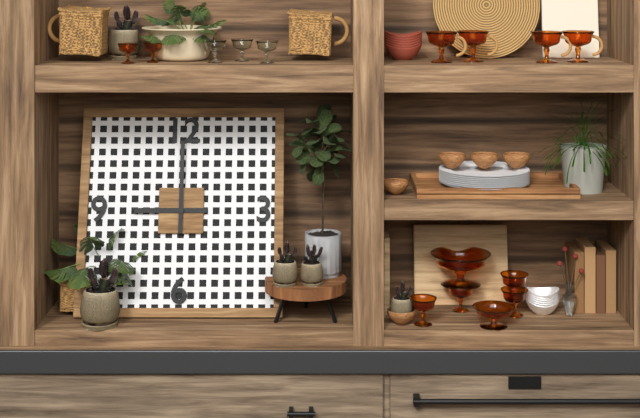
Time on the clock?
9:00
